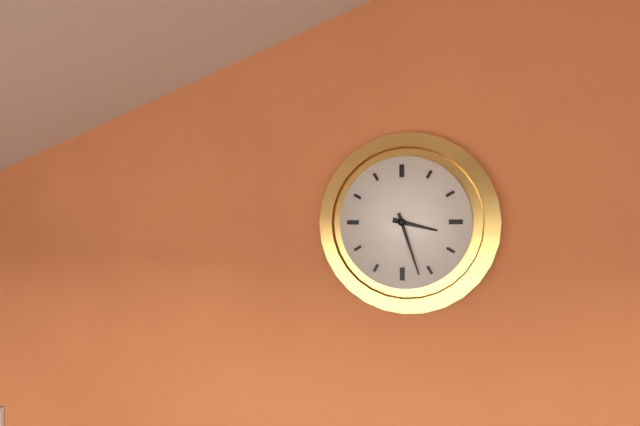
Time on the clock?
3:27
